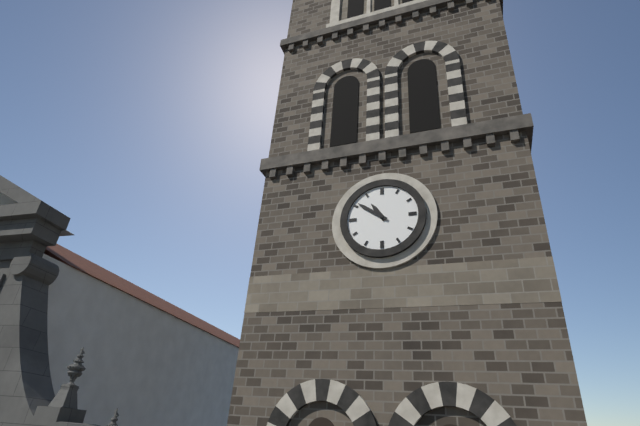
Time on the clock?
10:51
